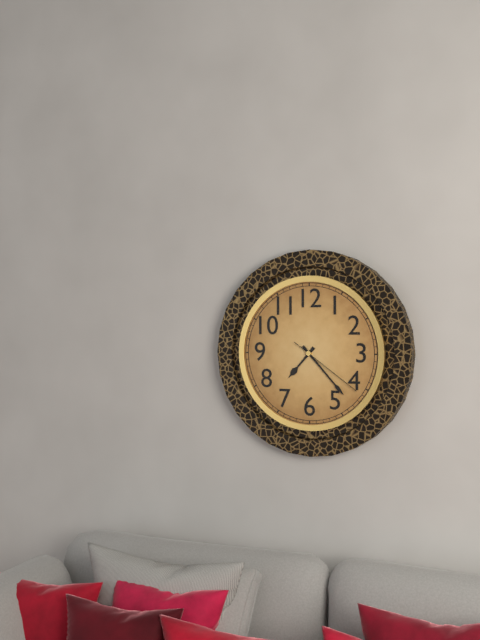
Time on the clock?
7:23:21
